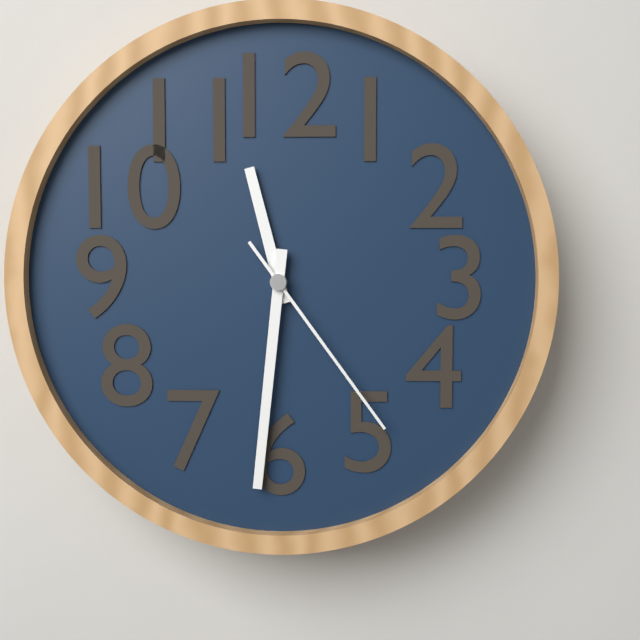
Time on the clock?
11:31:24
